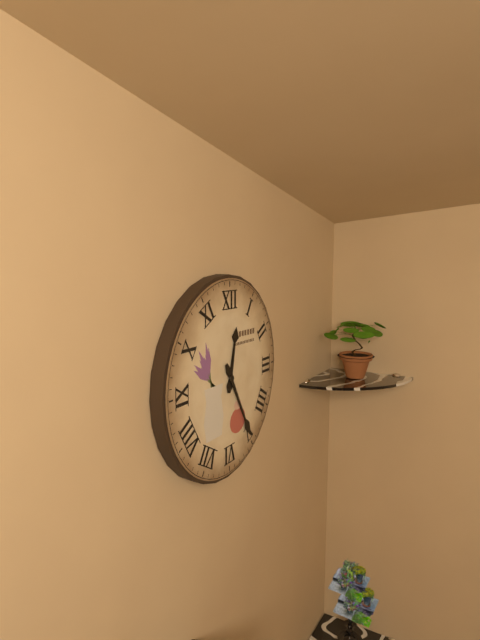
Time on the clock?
12:25
